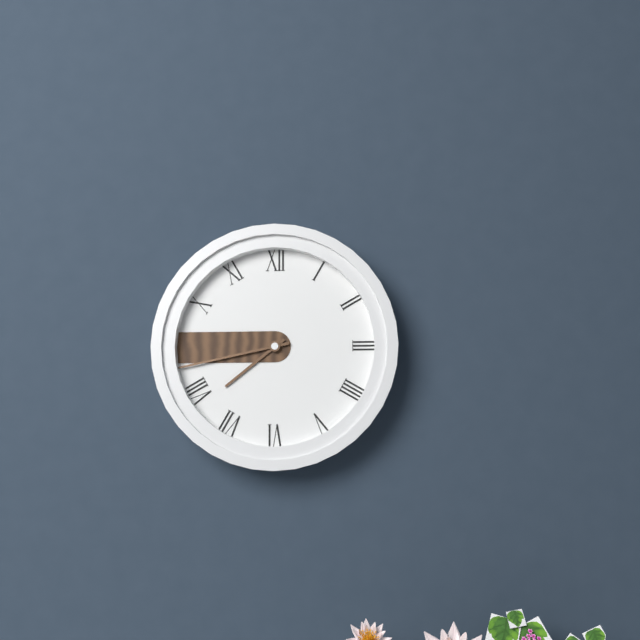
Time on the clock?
7:43
